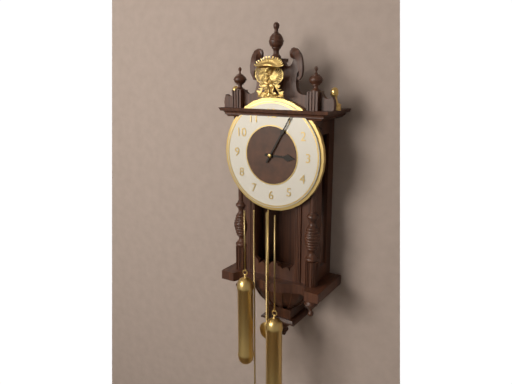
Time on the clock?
3:05
